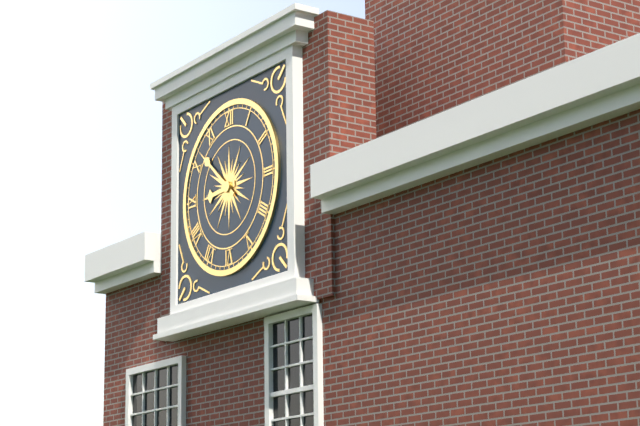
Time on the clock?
8:52
